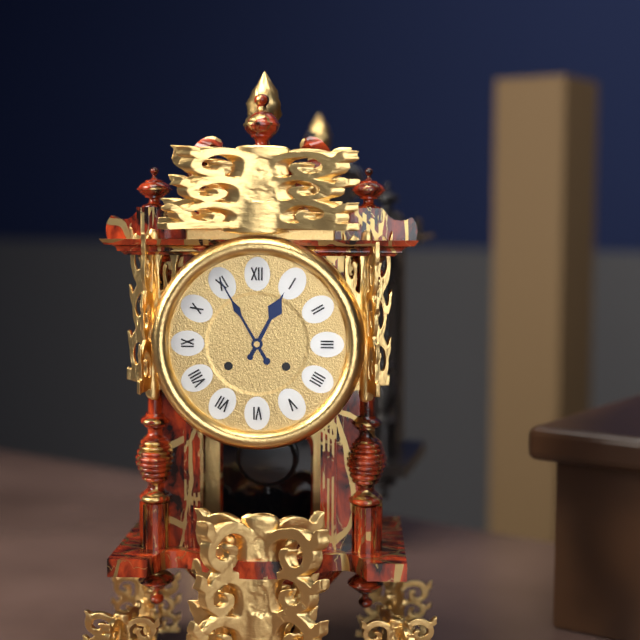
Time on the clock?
12:55
